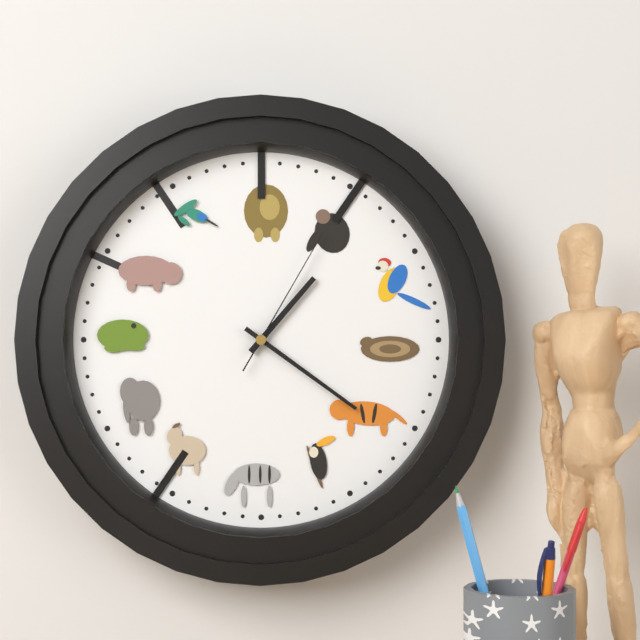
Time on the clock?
1:21:05
